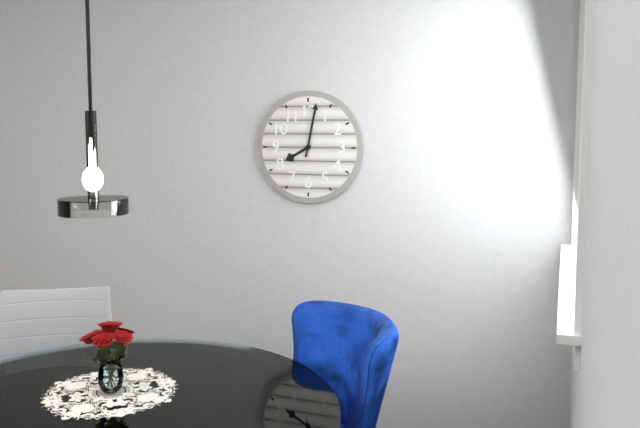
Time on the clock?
8:02
